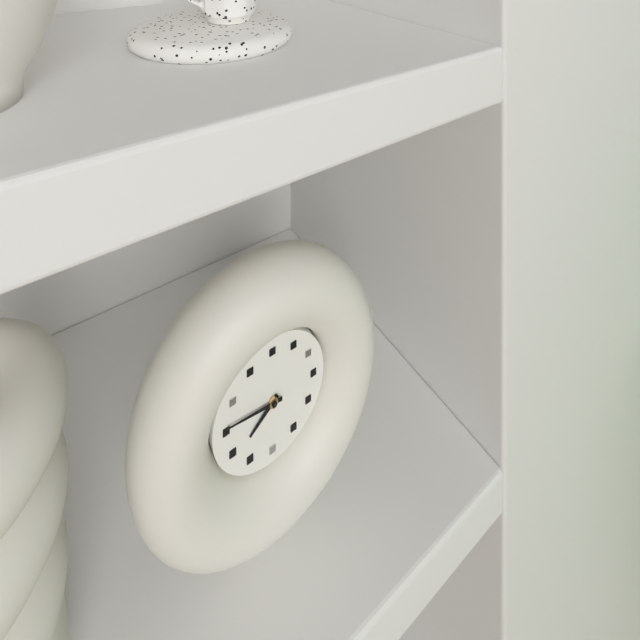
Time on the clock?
7:46
